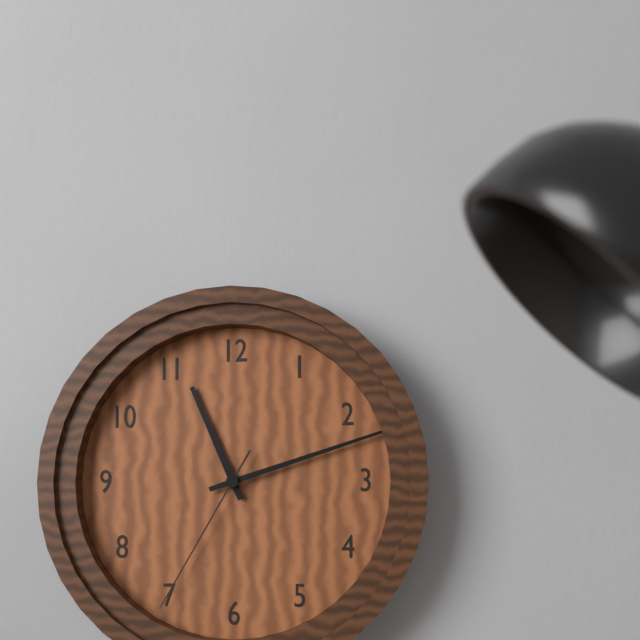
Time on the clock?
11:12:35
